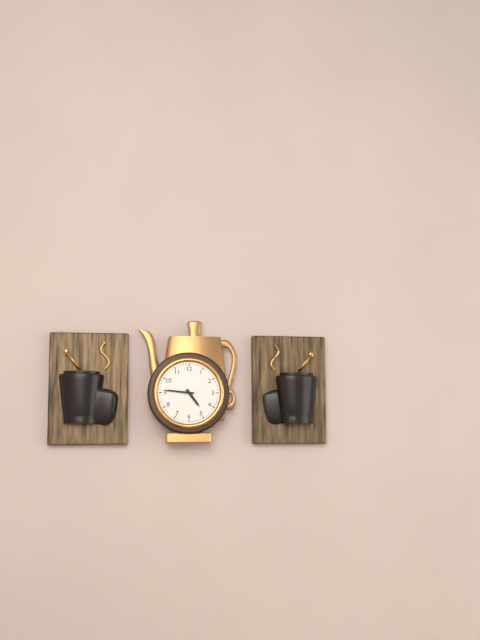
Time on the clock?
4:46
